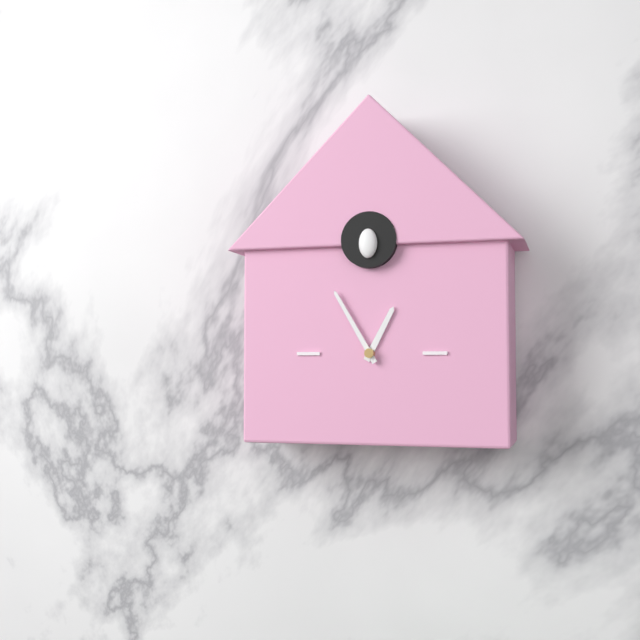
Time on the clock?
12:55
